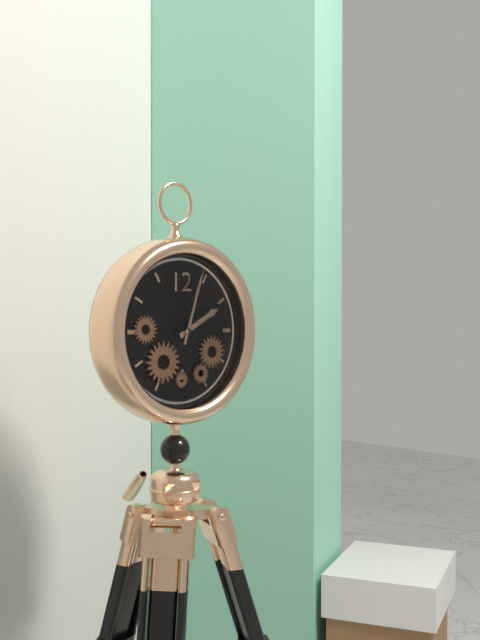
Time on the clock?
2:03
